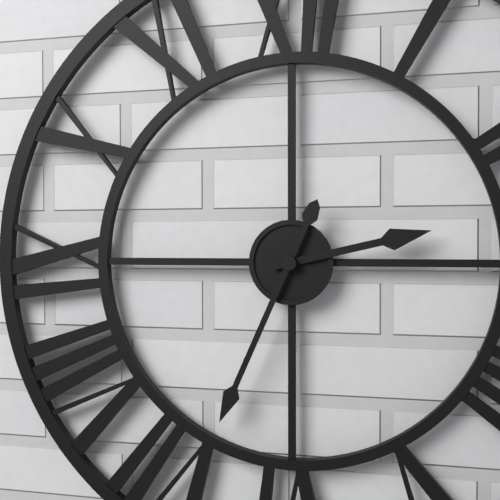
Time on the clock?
2:34
